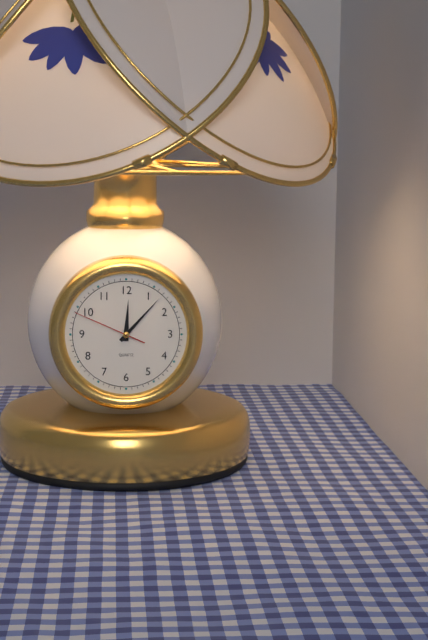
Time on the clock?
12:07:49
